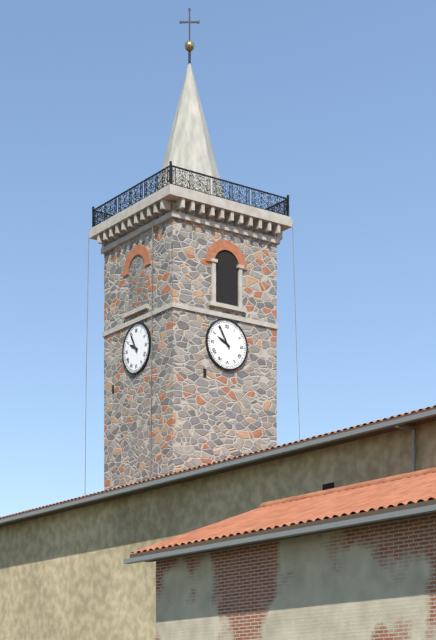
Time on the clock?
9:55
